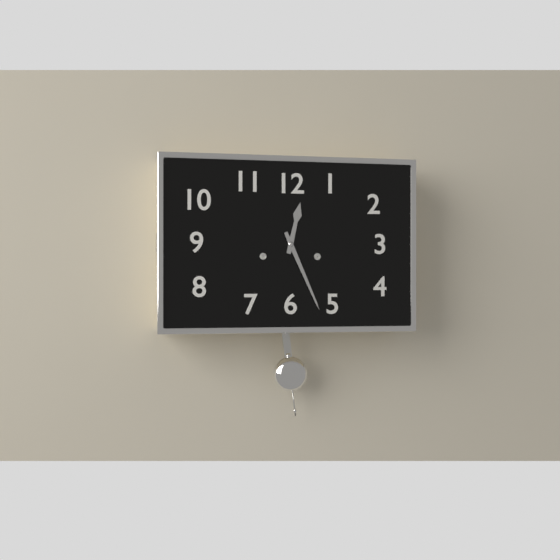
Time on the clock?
12:26
